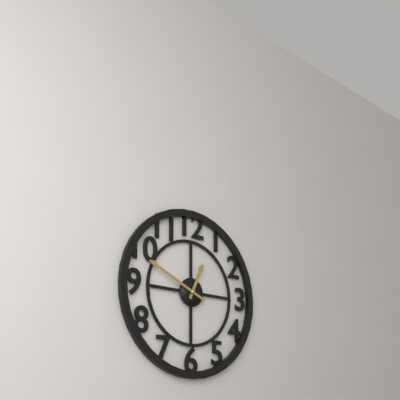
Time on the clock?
12:49
